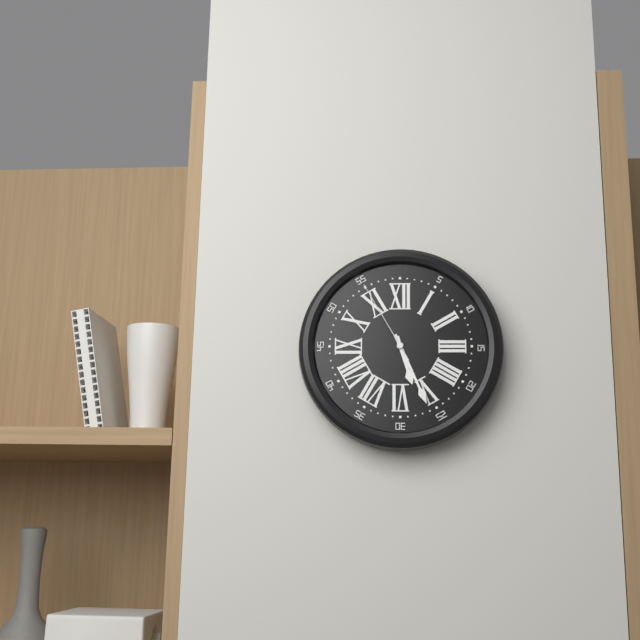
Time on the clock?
5:26:55
